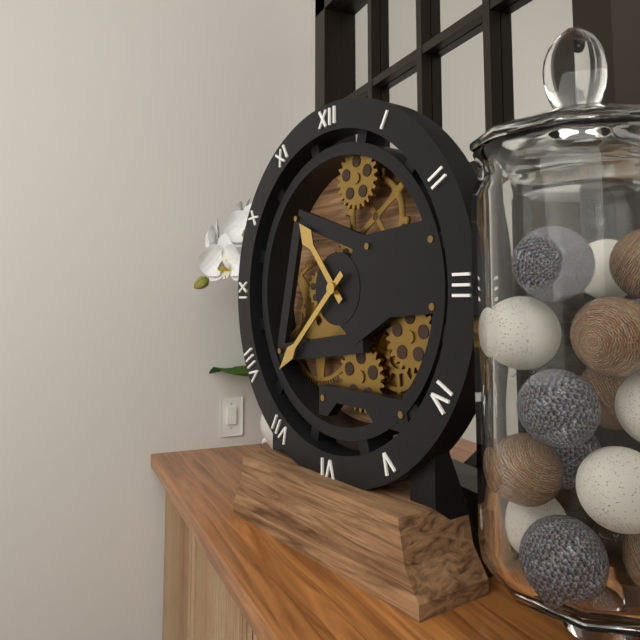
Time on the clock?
10:38
